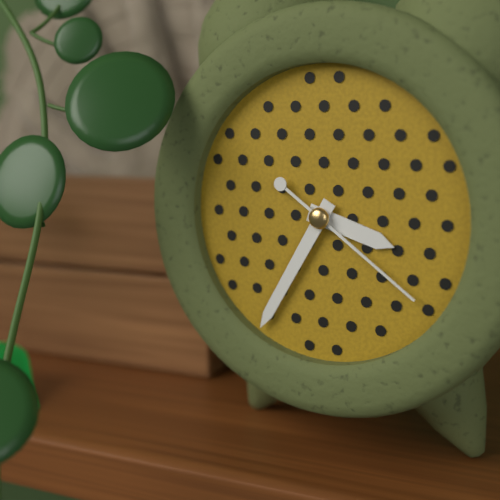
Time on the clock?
3:35:21
